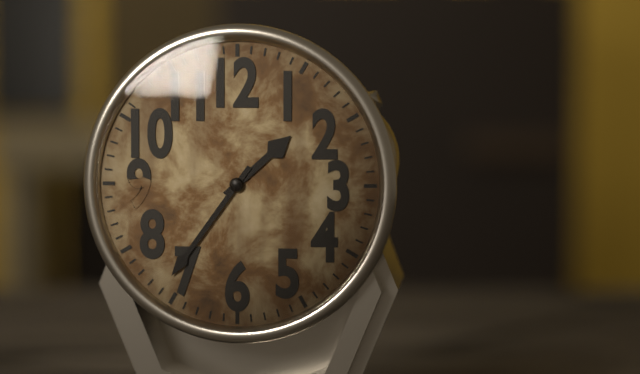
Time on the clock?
1:36
